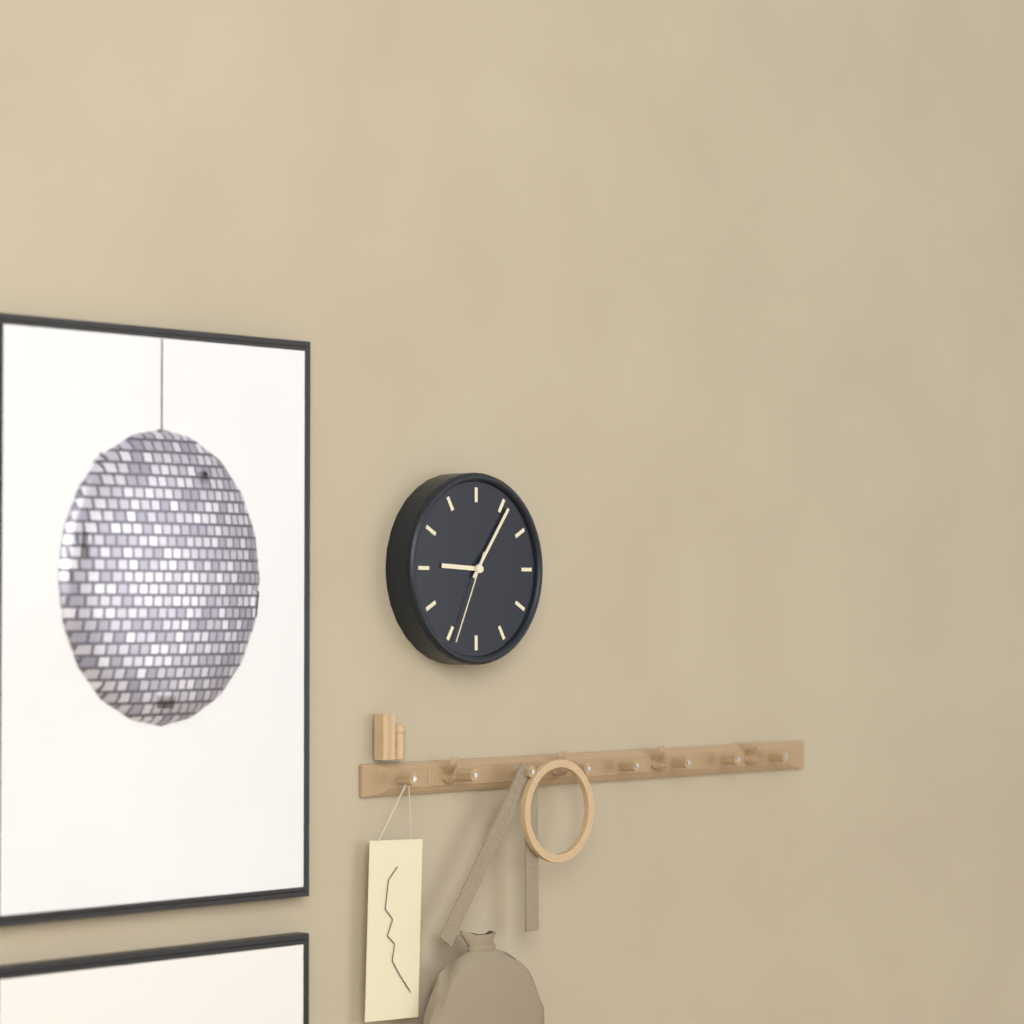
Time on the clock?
9:06:34
